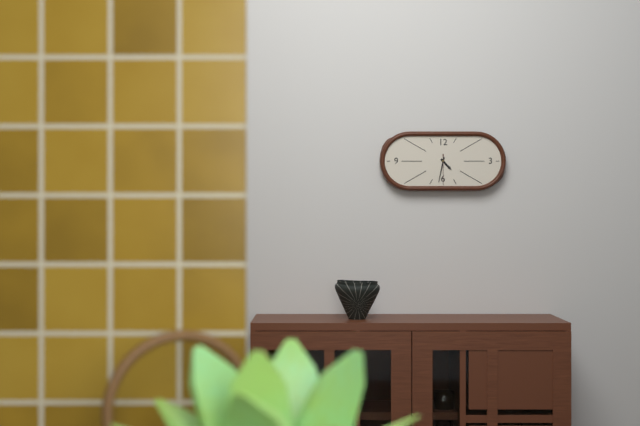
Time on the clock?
4:32
